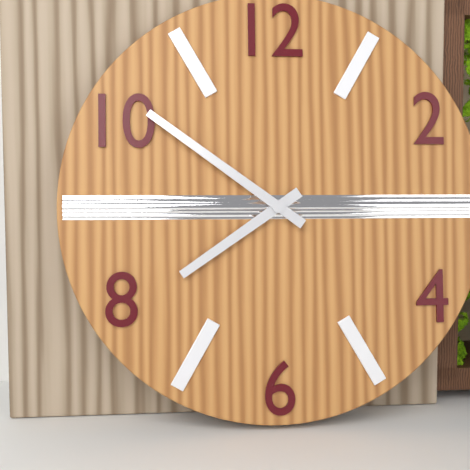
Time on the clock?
7:51
